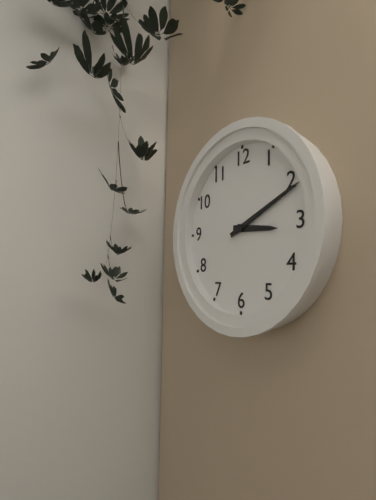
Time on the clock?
3:11
